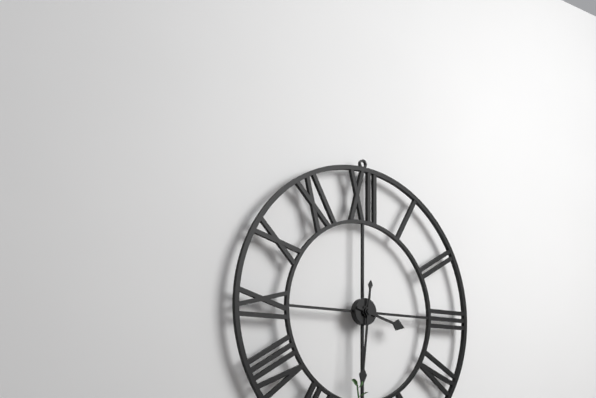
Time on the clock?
3:31
